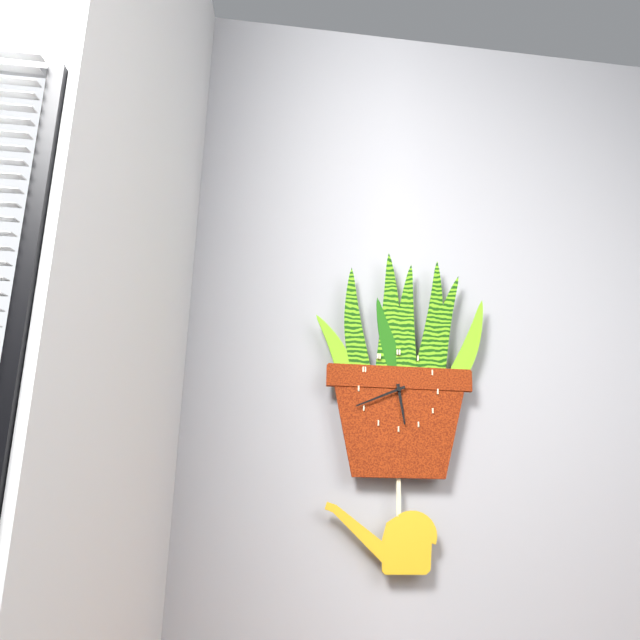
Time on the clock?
5:41
